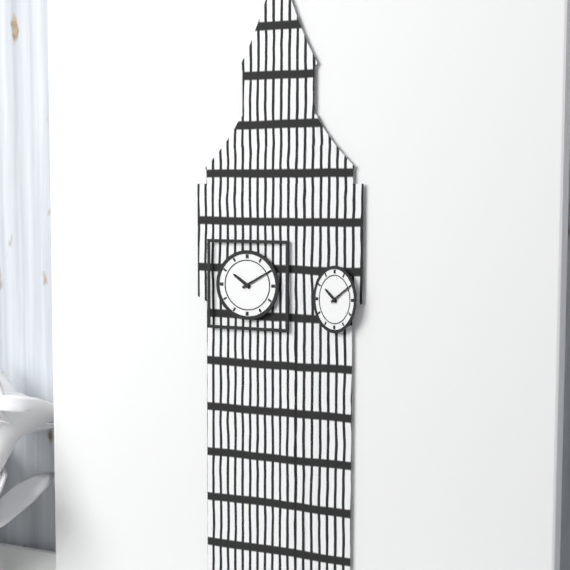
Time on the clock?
10:10
